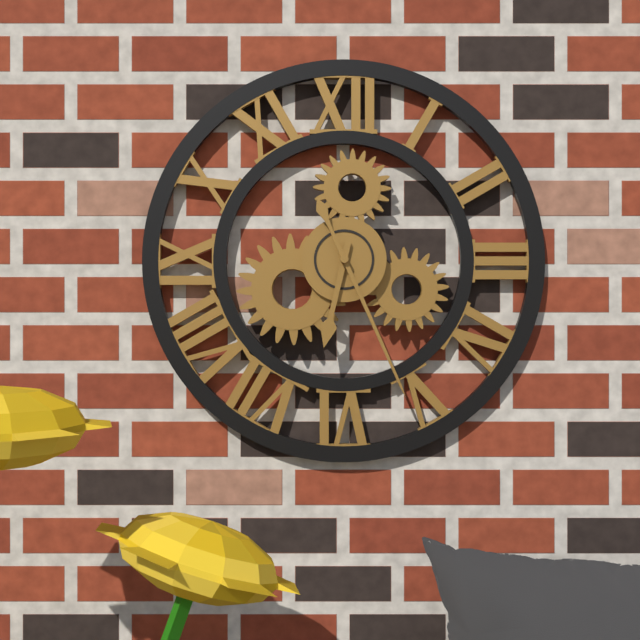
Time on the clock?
6:26
